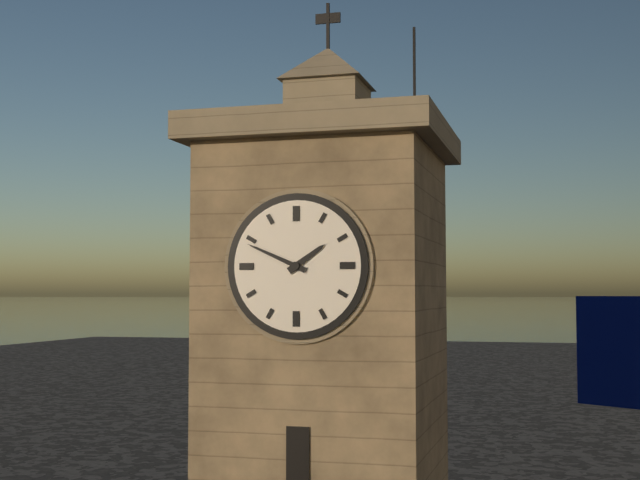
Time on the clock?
1:49
